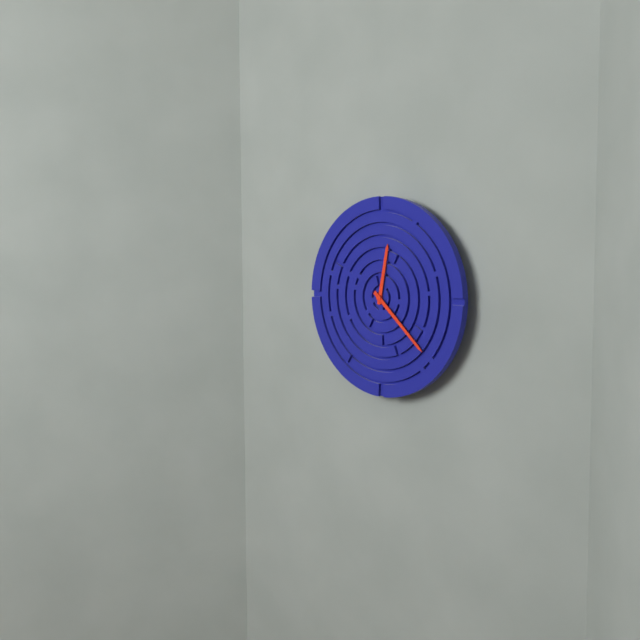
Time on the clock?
12:22
